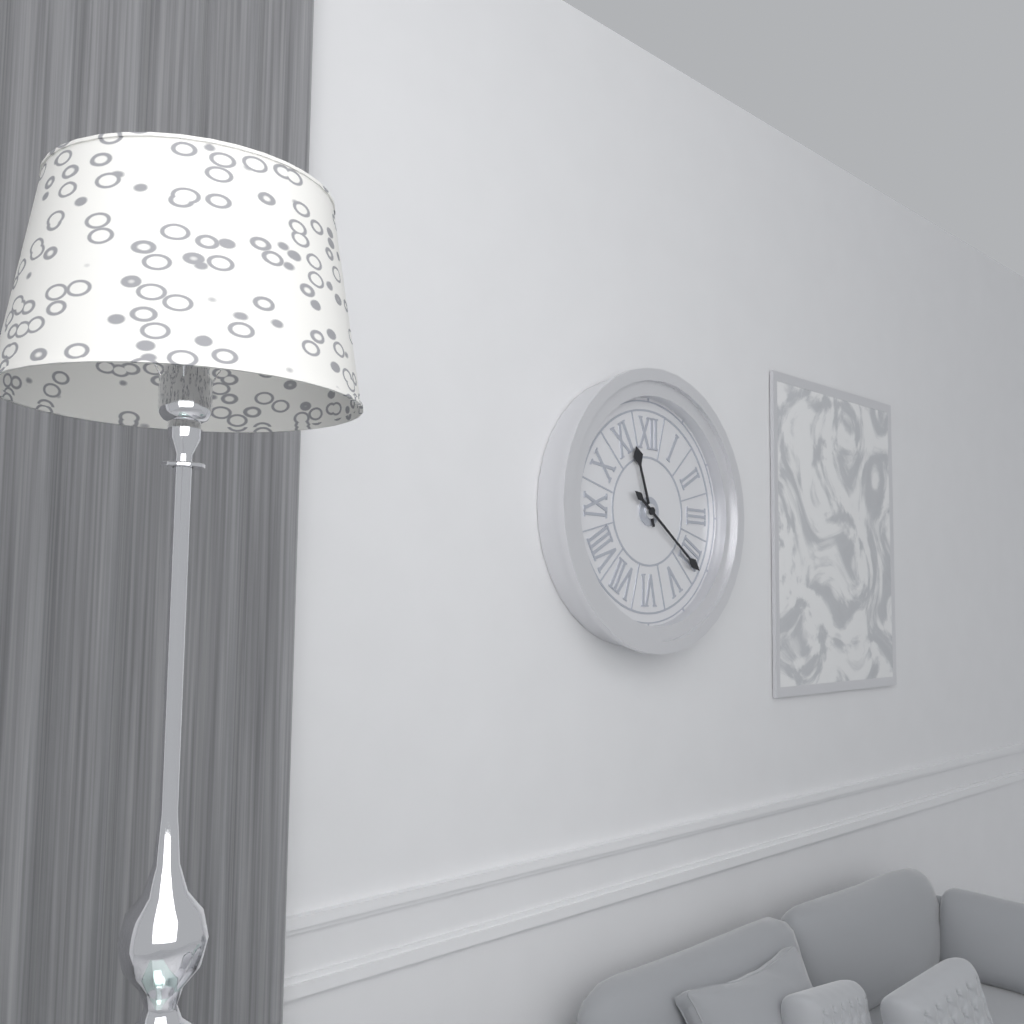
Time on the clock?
11:21
